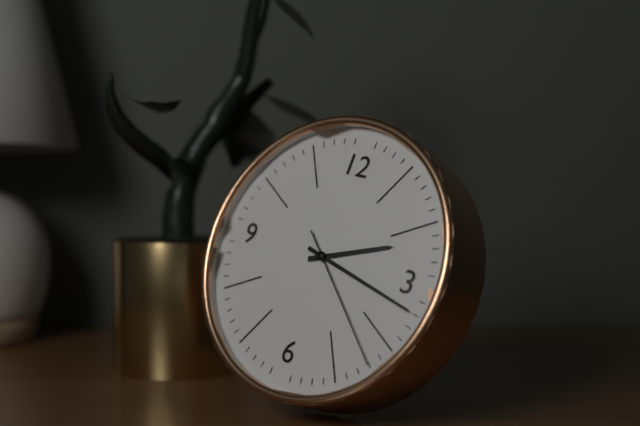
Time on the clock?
2:17:22
